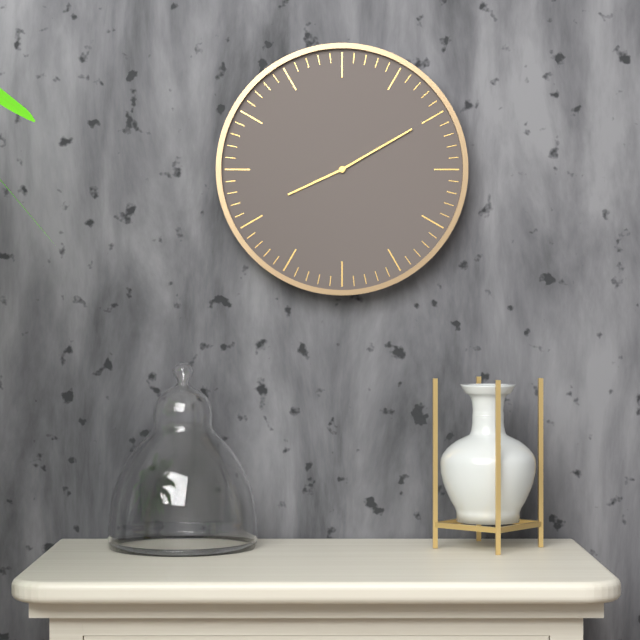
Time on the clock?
8:10
